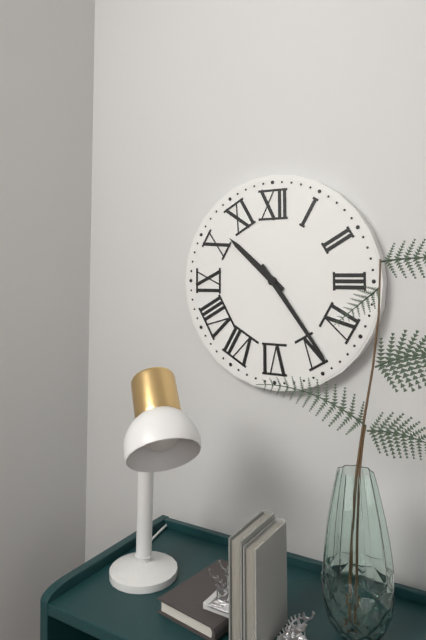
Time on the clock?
10:24
